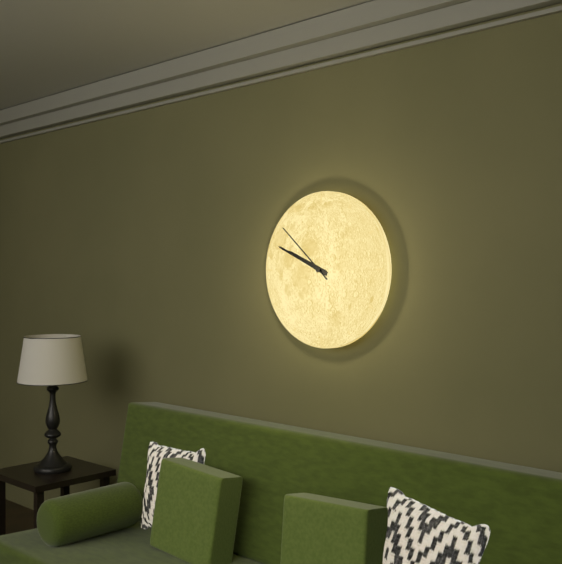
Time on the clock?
9:49:52
